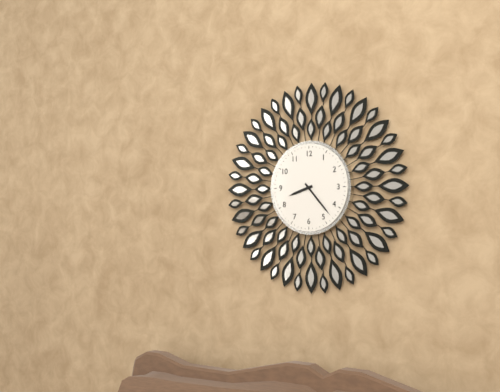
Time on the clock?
8:23
